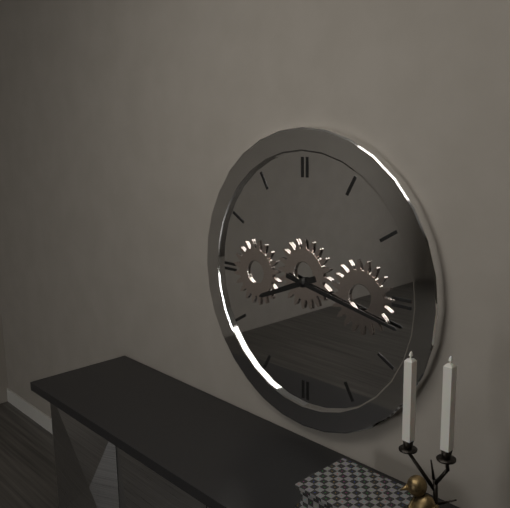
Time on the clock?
8:17
